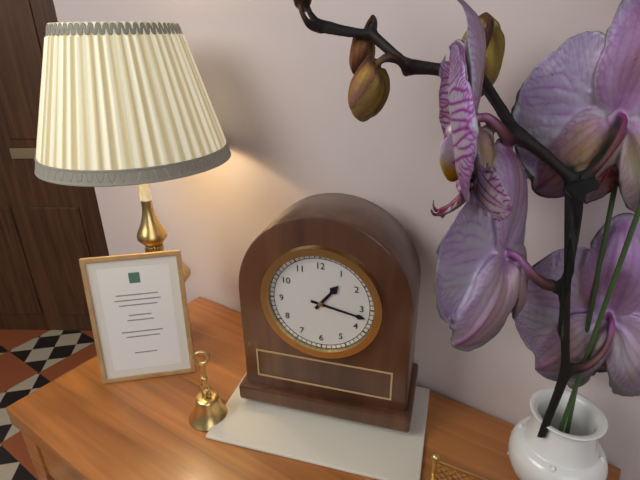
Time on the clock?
1:17
